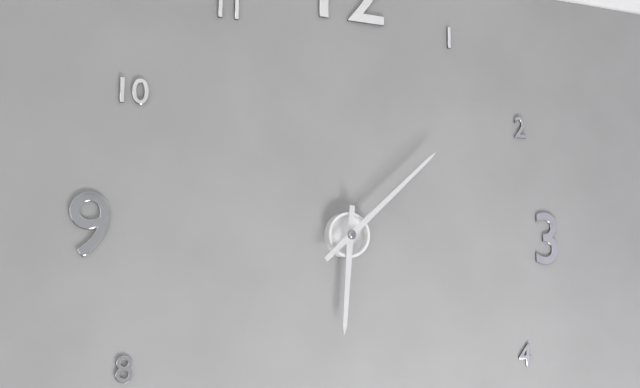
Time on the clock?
6:08
